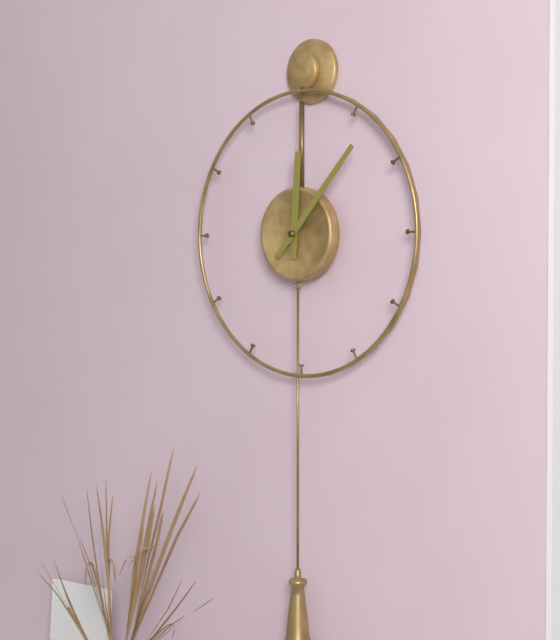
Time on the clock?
12:07
